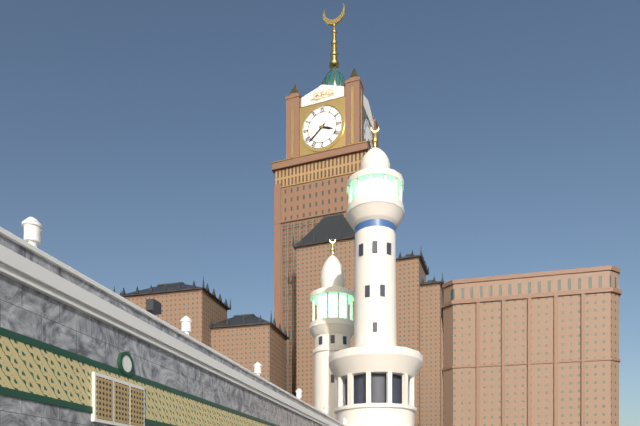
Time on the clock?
3:38
